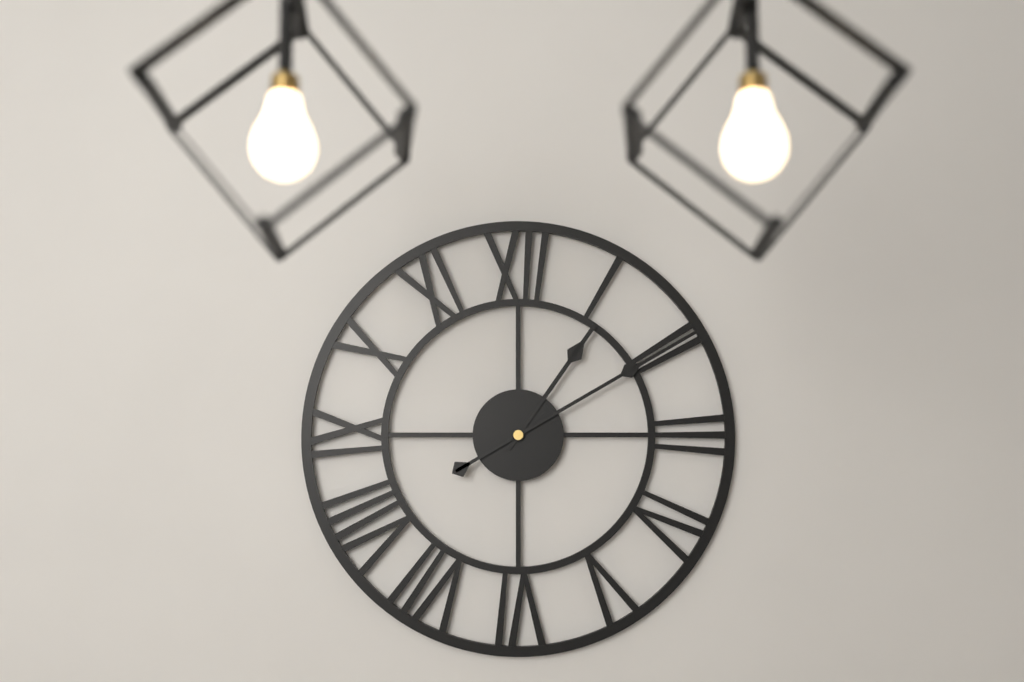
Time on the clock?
1:10
